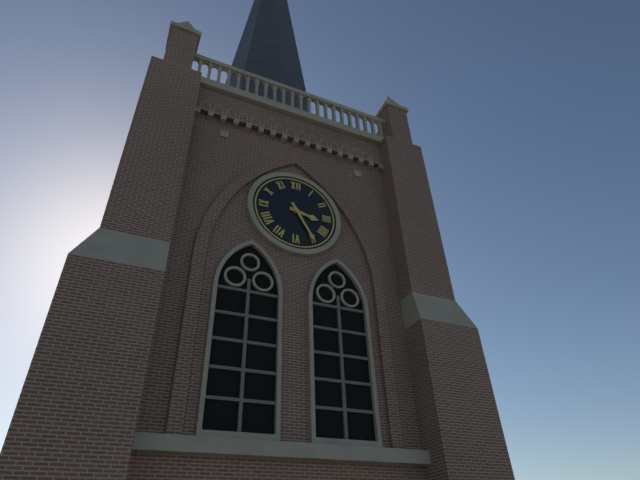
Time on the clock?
3:25
